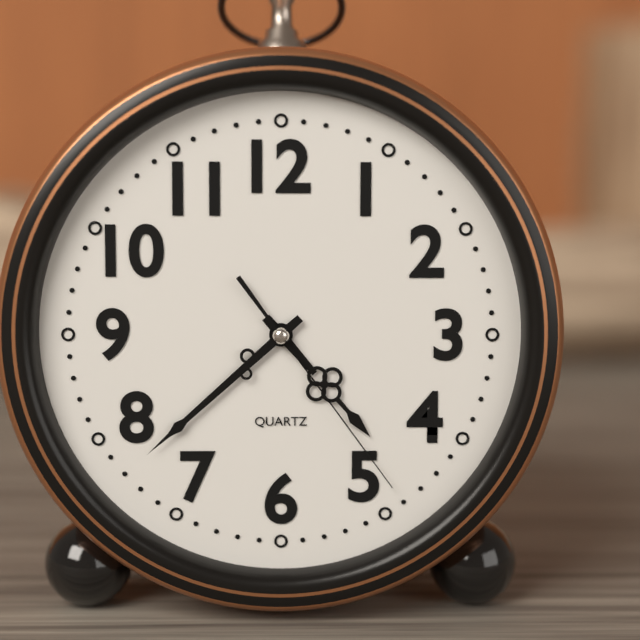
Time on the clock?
4:38:24
